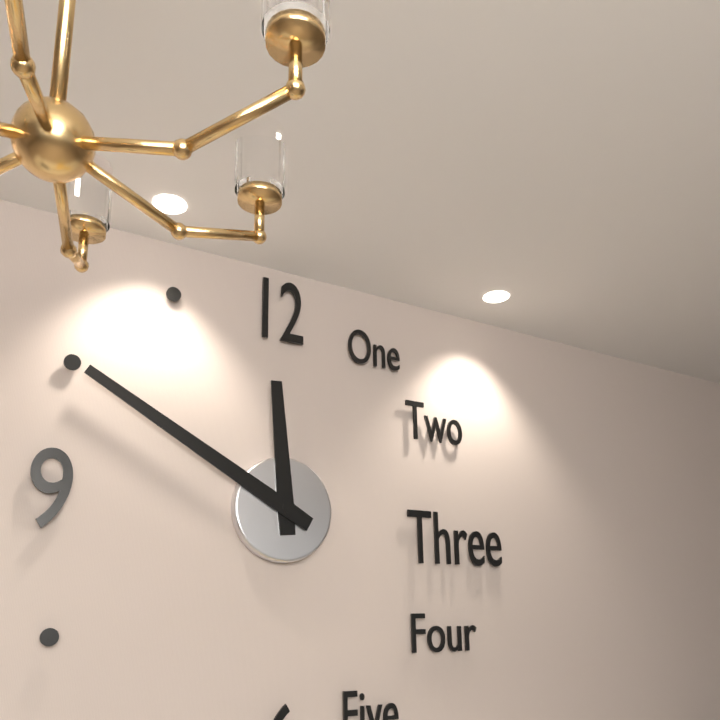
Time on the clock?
11:50
